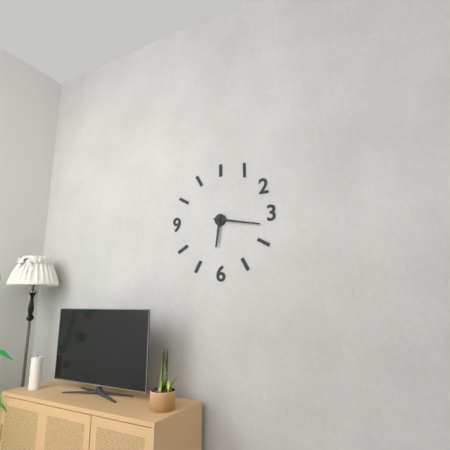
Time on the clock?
6:17
